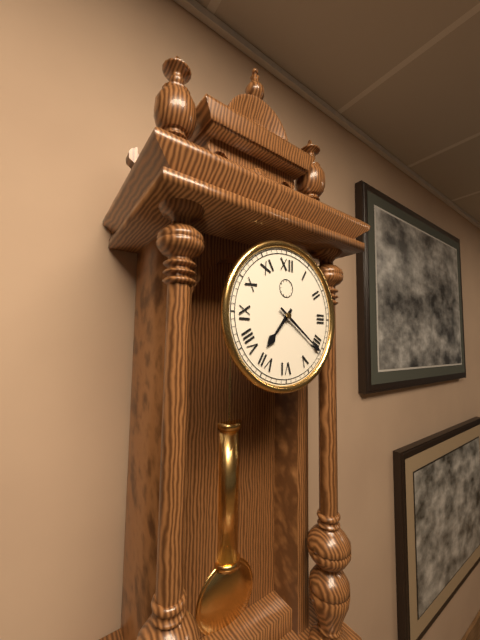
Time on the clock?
7:21
